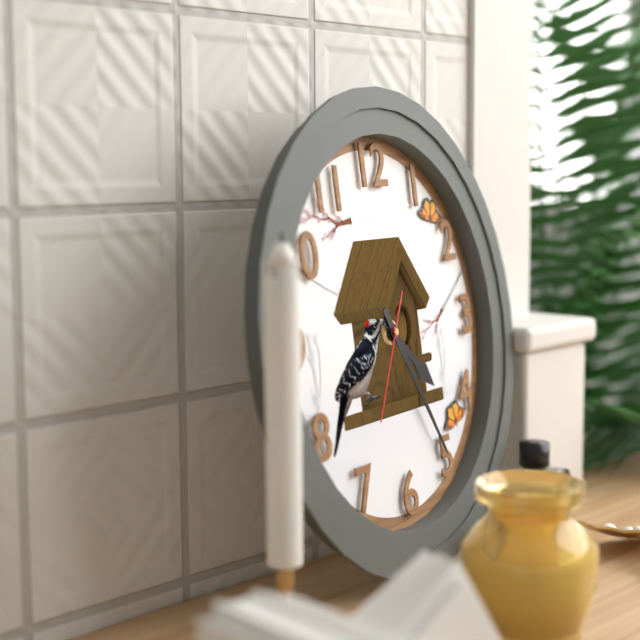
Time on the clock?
4:25:35
